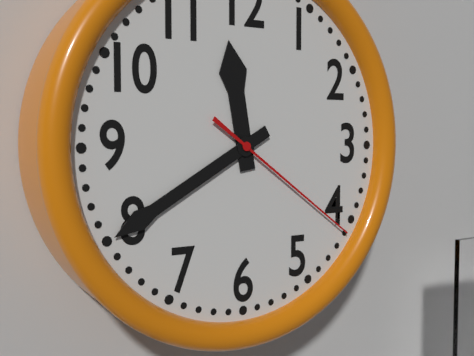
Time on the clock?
11:40:21
